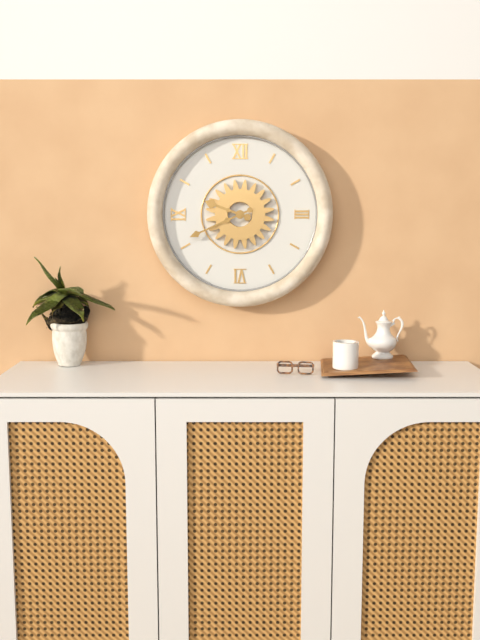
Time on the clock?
9:41
